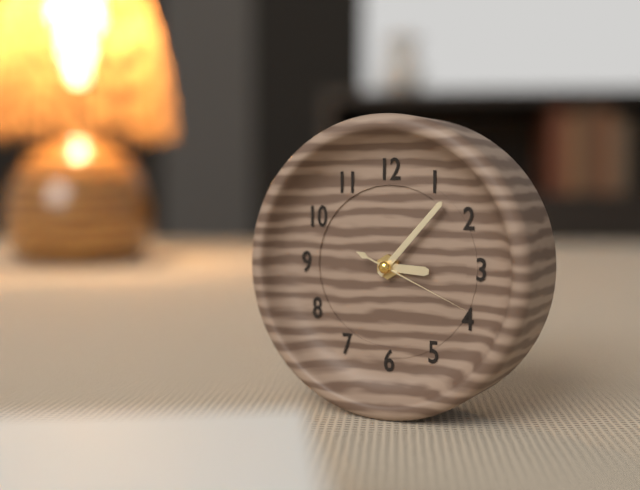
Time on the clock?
3:07:19
